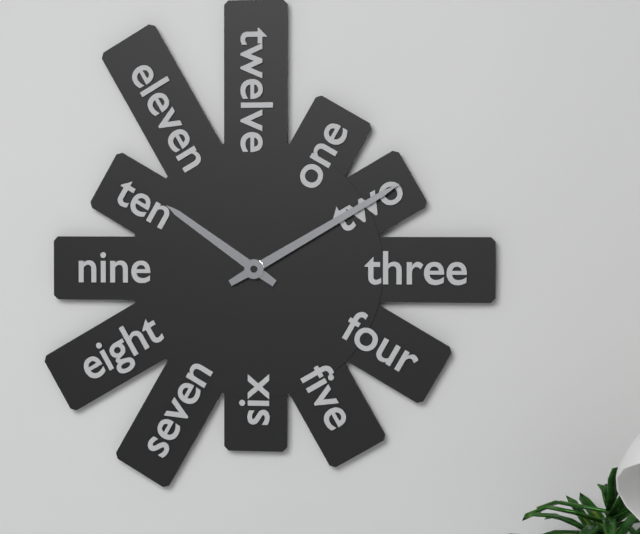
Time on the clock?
10:10
